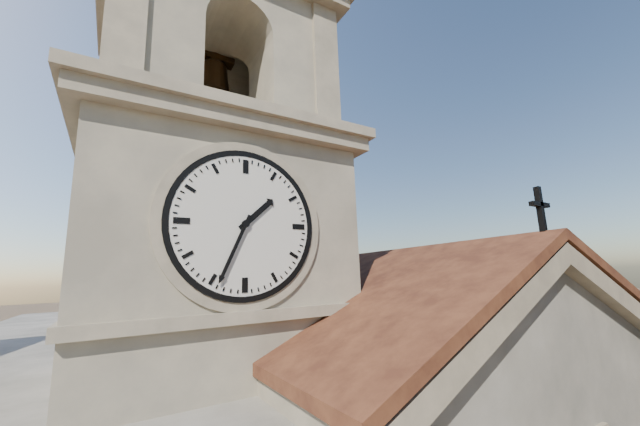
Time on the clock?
1:34
